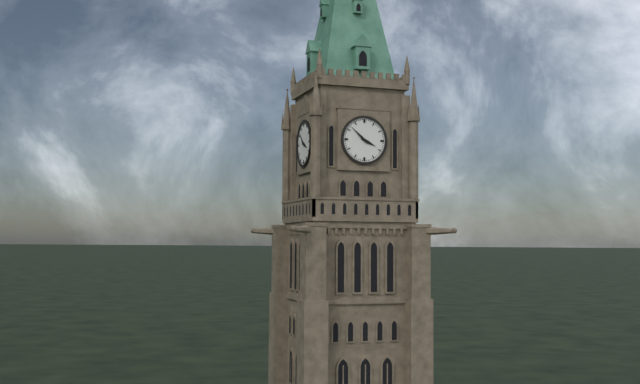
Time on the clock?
3:52
